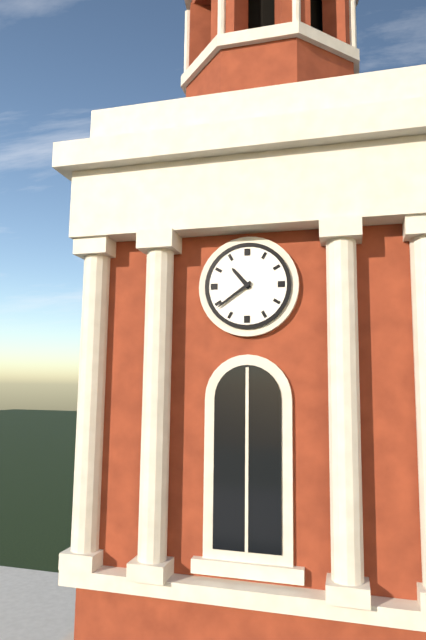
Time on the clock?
10:39
